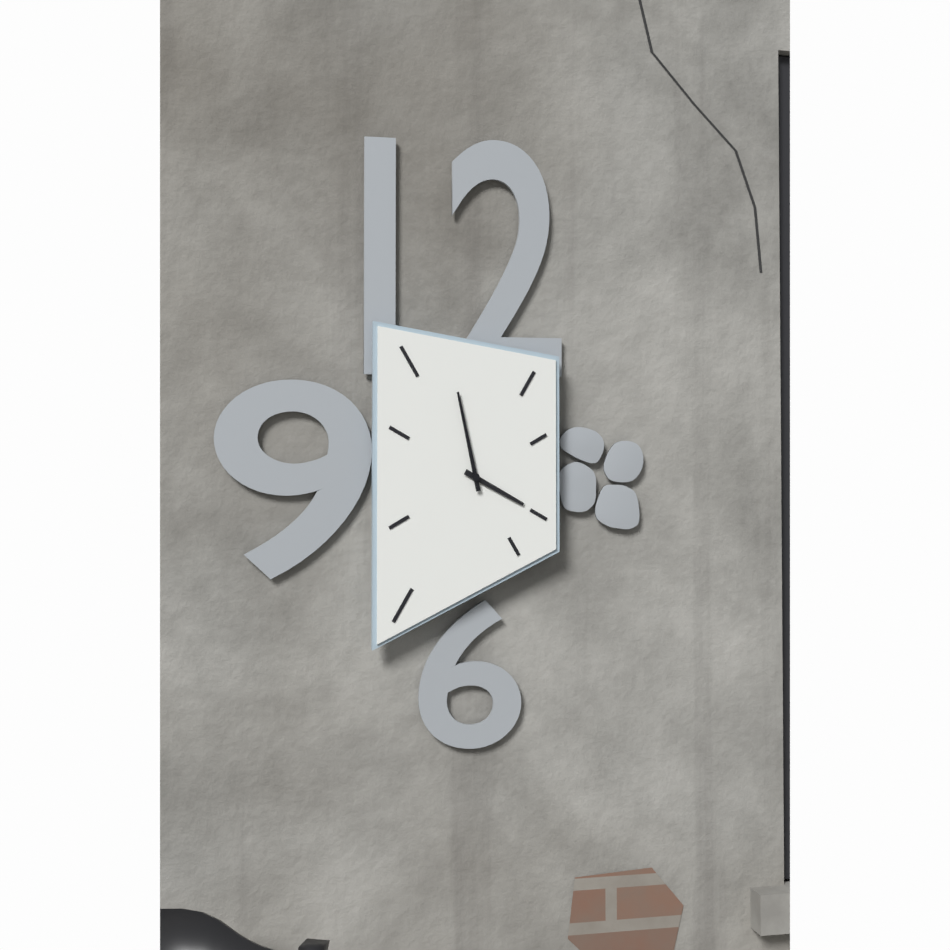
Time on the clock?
3:58
